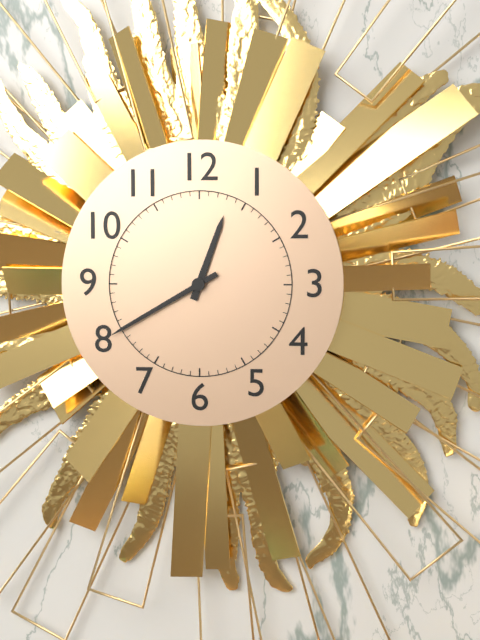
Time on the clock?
12:40
